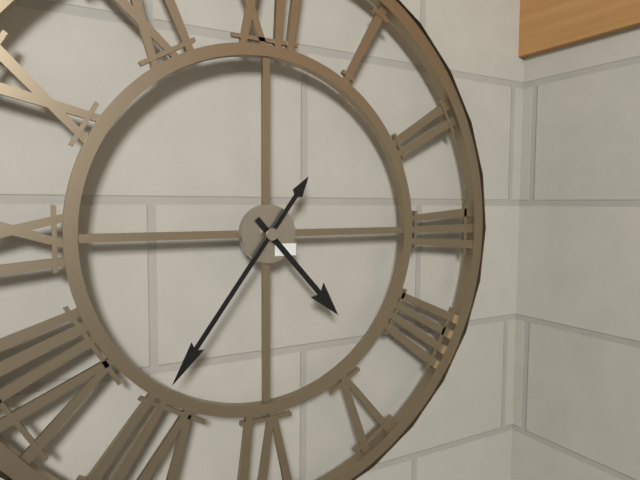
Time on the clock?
4:36
